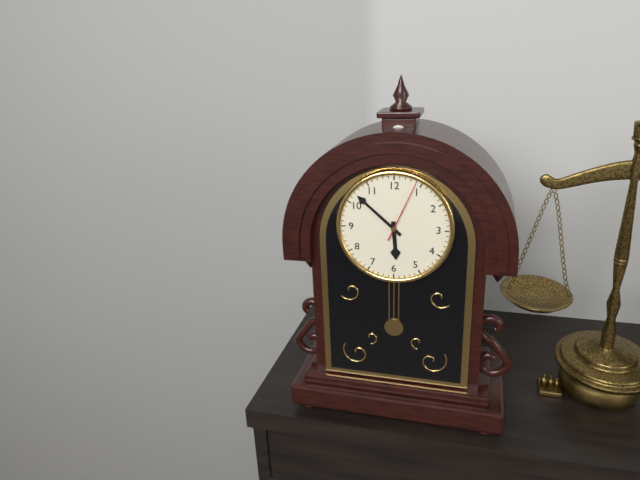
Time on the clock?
5:52:04
